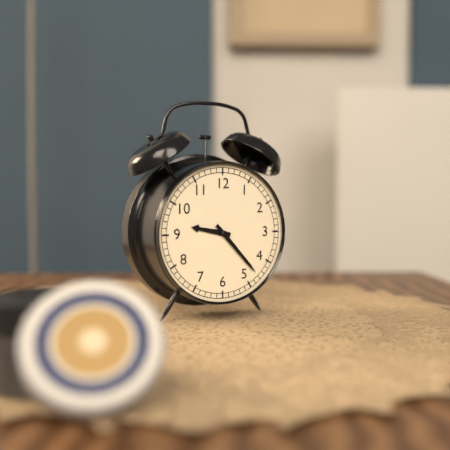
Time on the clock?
9:23
